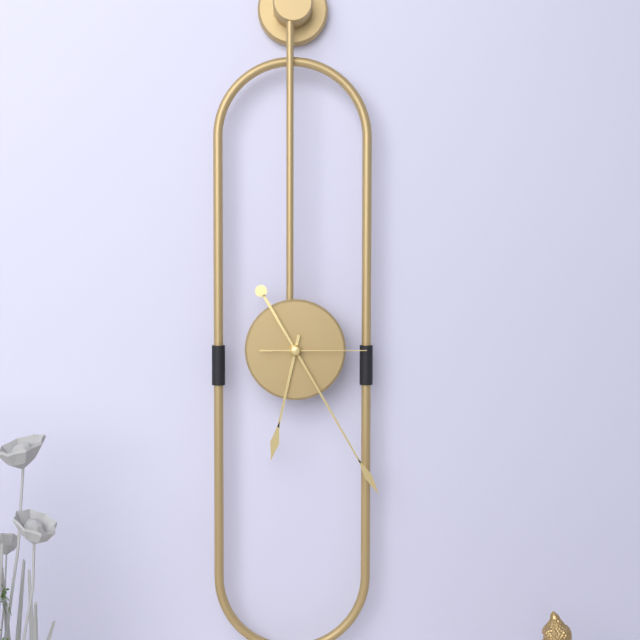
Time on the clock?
6:25:15
